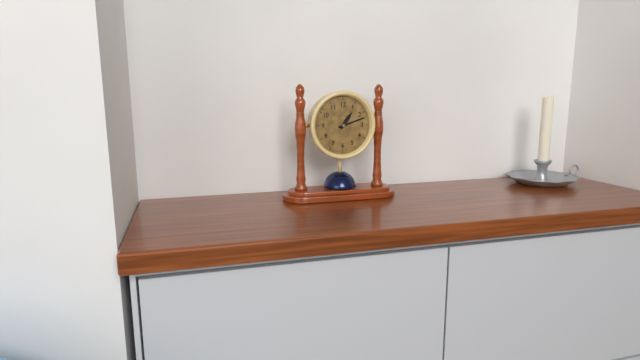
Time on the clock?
1:12
